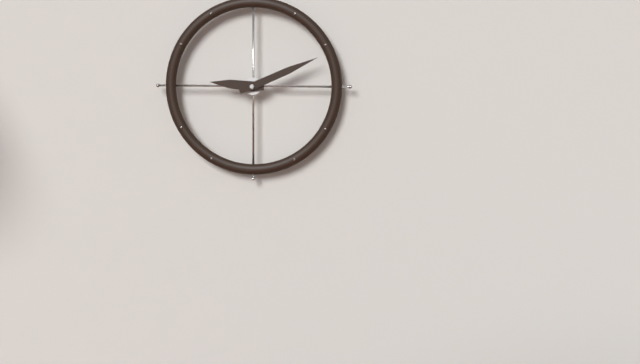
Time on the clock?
9:11
